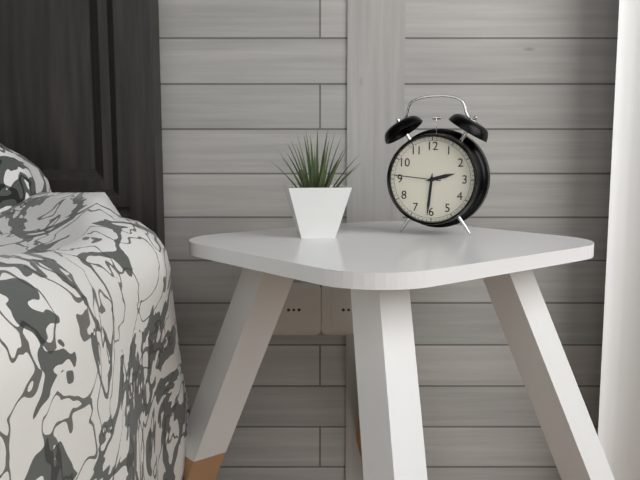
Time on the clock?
2:31
